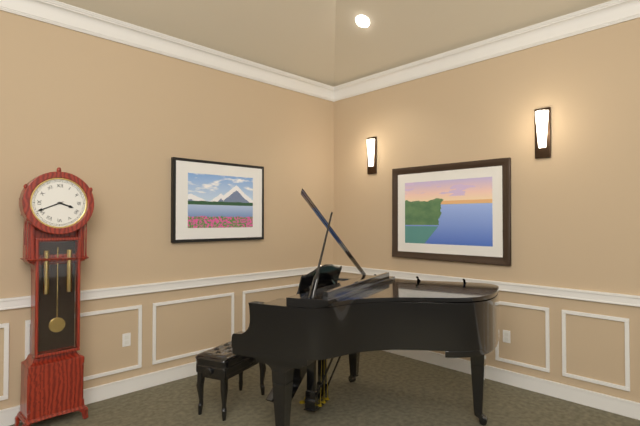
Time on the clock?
3:41
